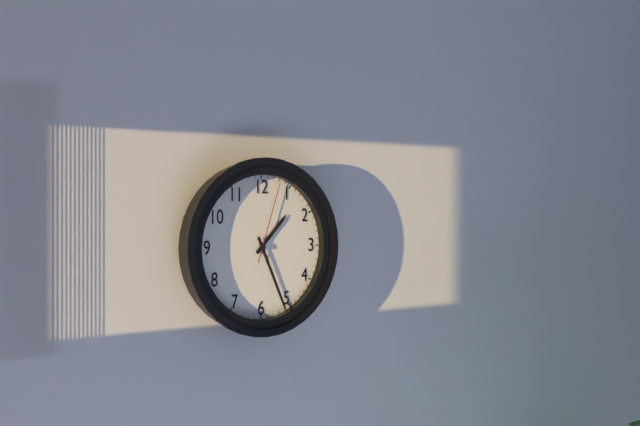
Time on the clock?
1:26:03
